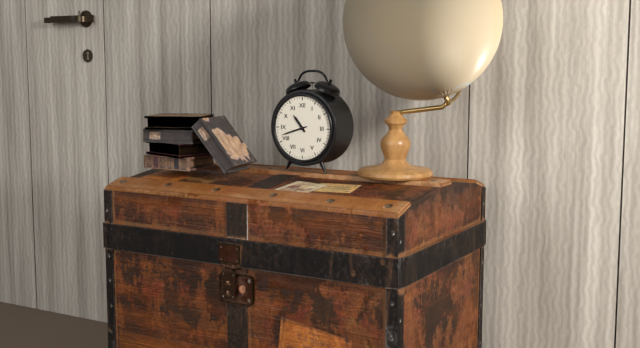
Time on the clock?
10:42
